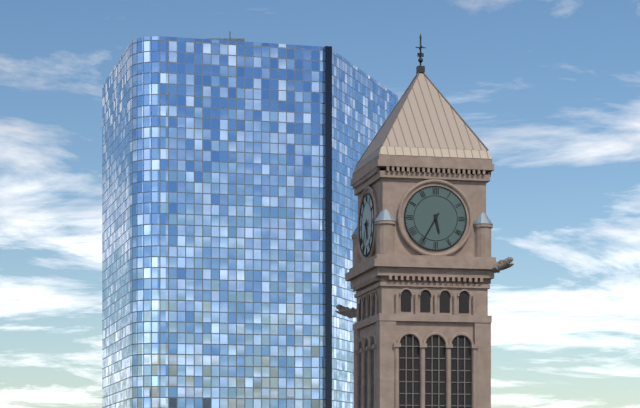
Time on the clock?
5:35
